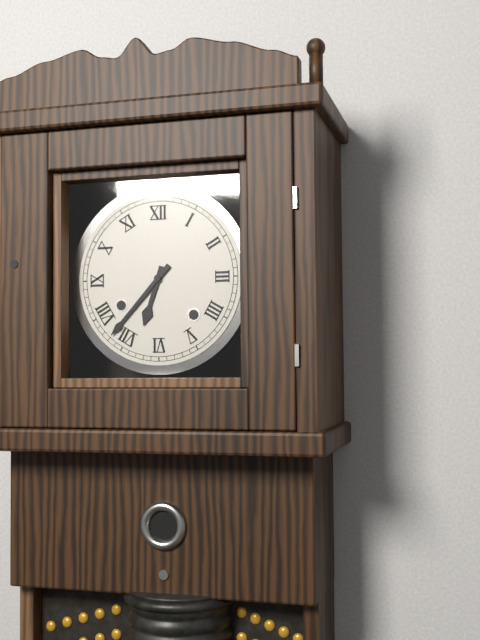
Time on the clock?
6:37
